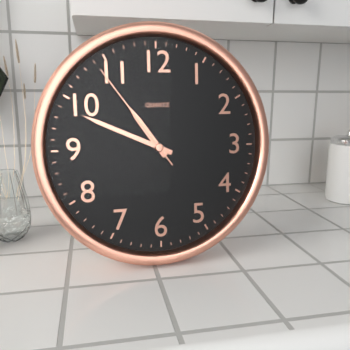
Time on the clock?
10:49:54
